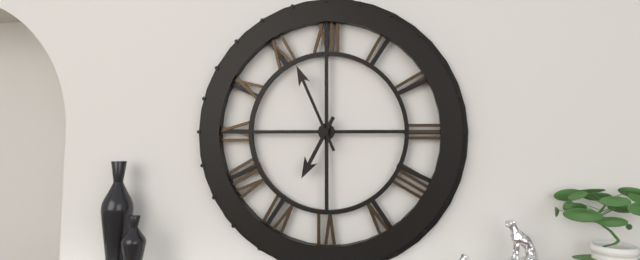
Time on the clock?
6:56
